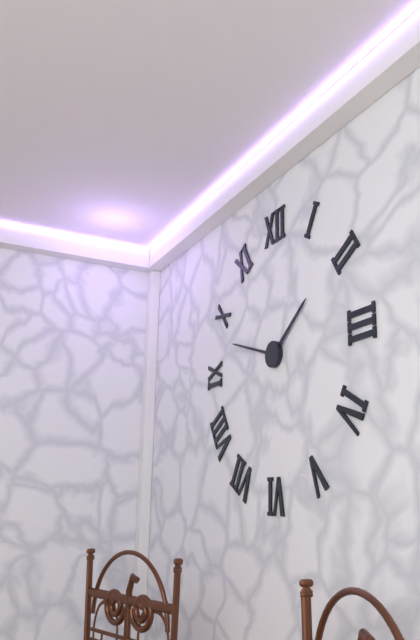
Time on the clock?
1:48
